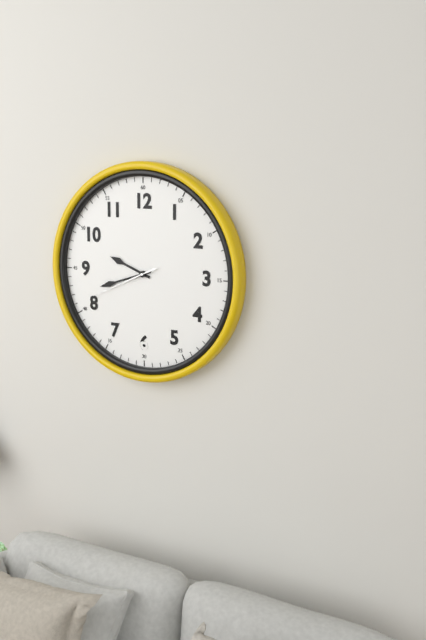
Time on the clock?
9:42:41
